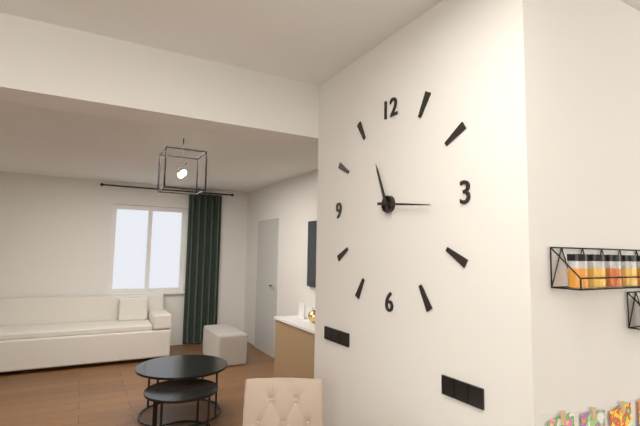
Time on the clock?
11:16
